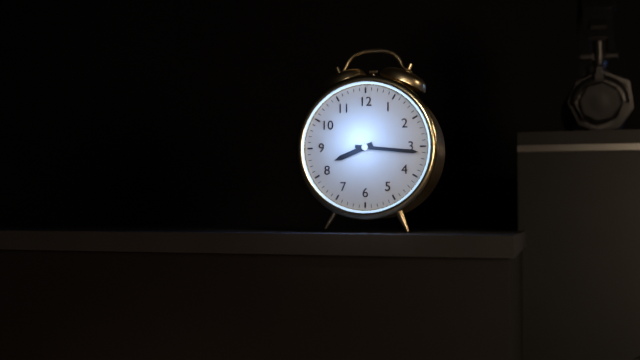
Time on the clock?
8:16
